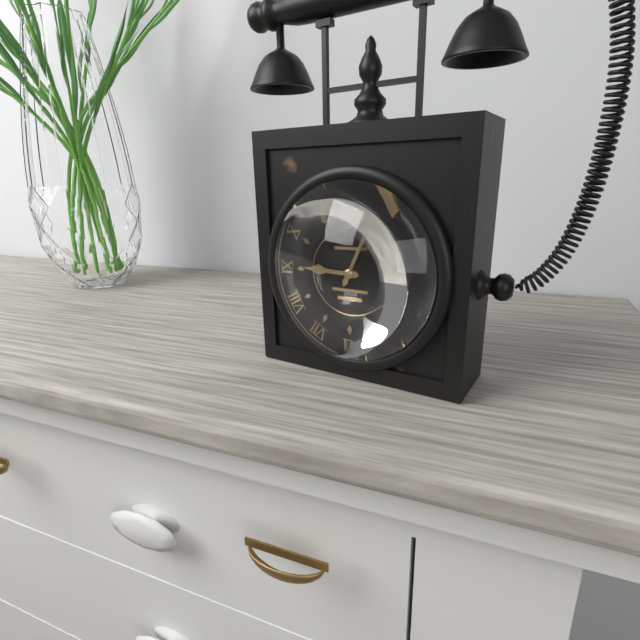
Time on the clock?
9:04
